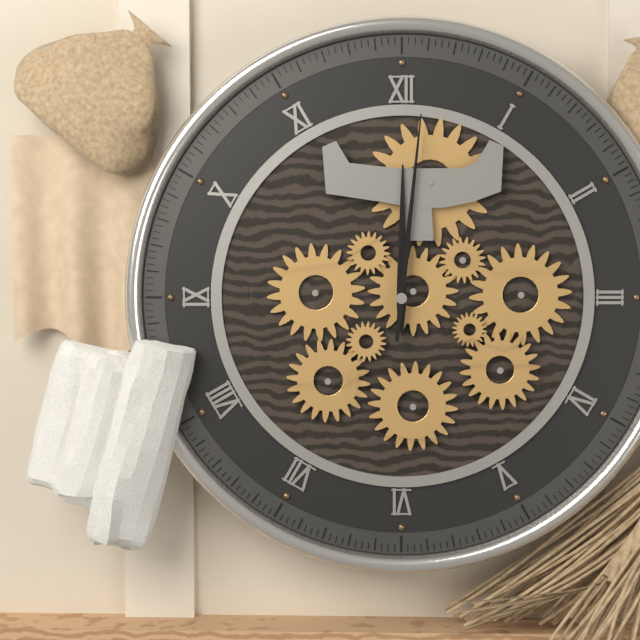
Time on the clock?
12:01
